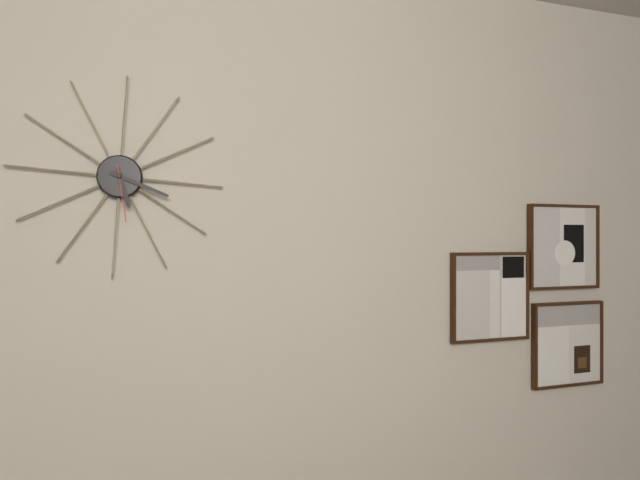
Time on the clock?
5:18:28
